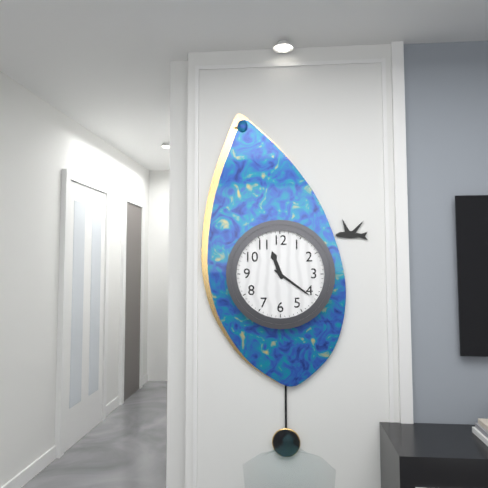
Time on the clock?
11:21
